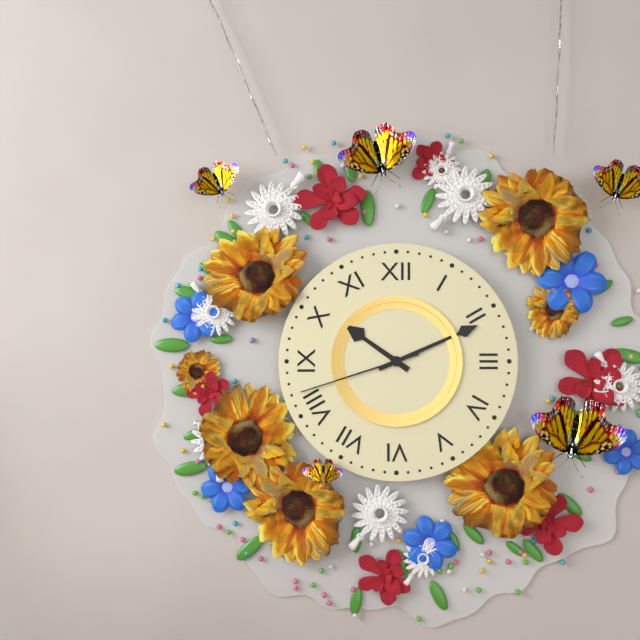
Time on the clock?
10:11:42
